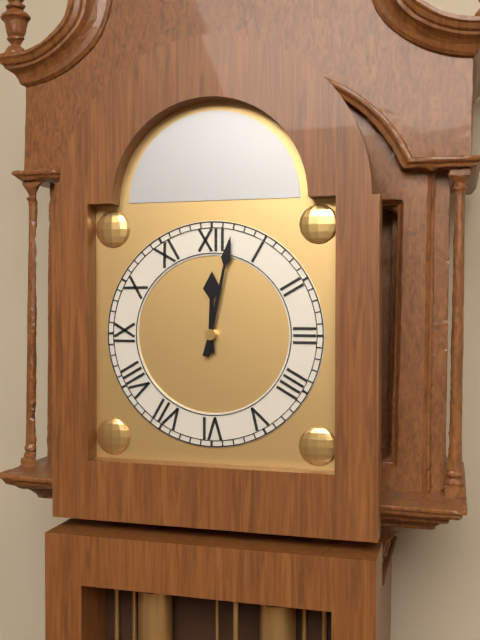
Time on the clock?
12:02
